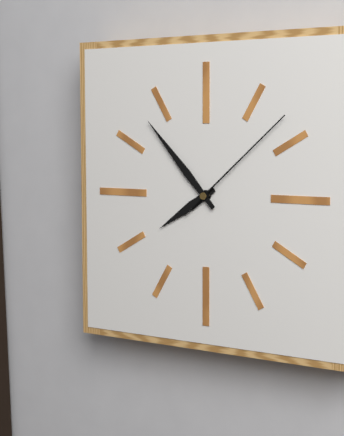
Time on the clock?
7:53:08
